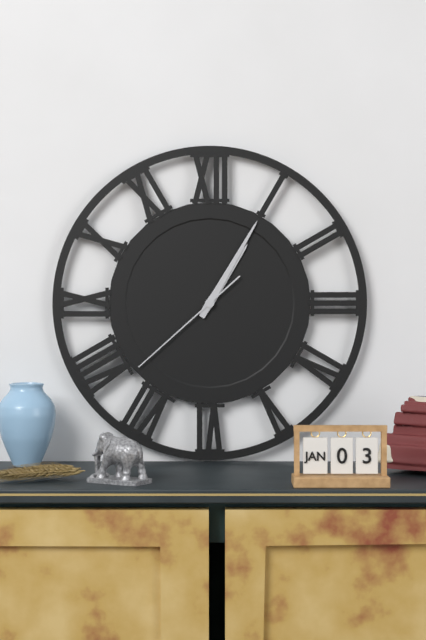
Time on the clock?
1:05:38
